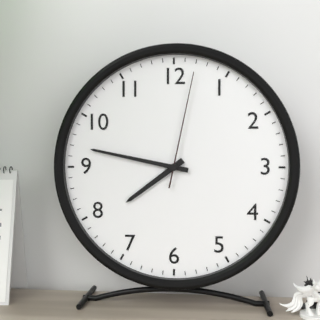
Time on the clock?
7:47:02
